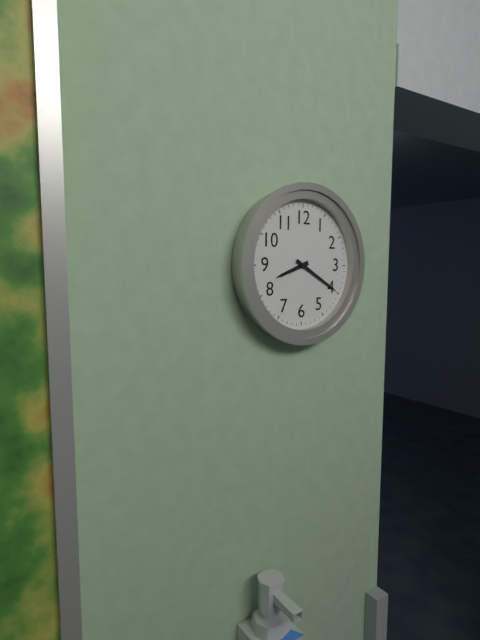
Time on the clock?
8:20
